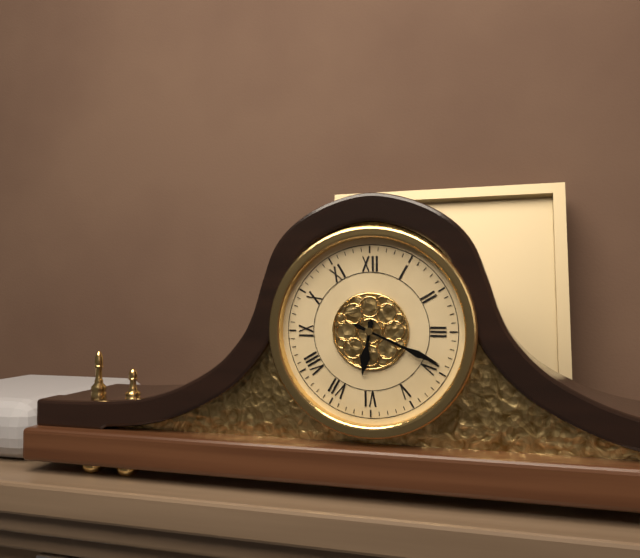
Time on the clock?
6:19
